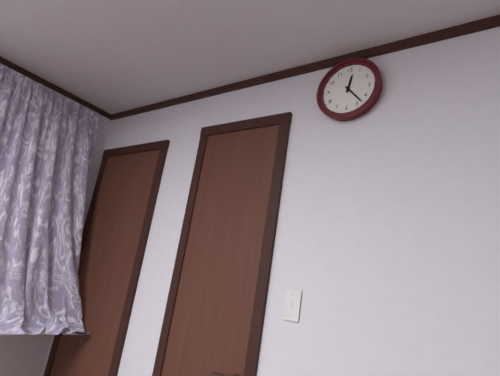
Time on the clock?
12:23
